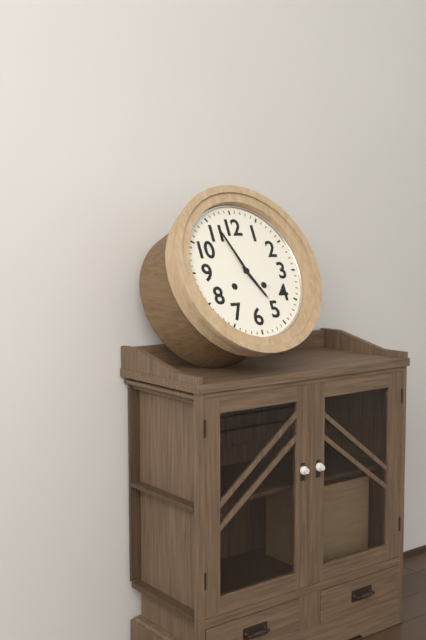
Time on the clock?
4:56
